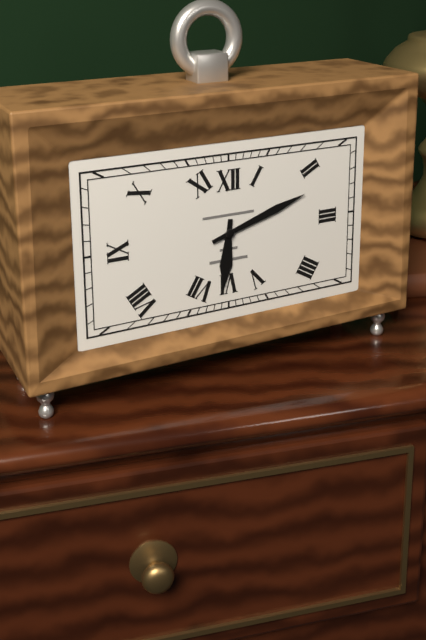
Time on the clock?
6:12
